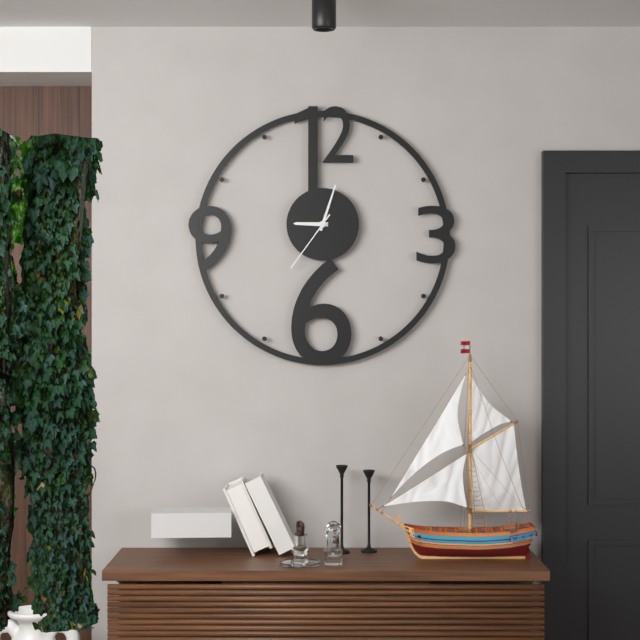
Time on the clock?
9:03:36
